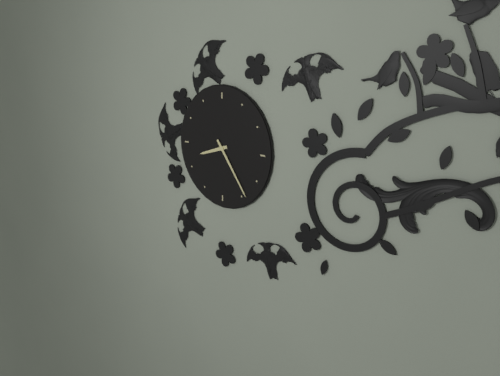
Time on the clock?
8:24
